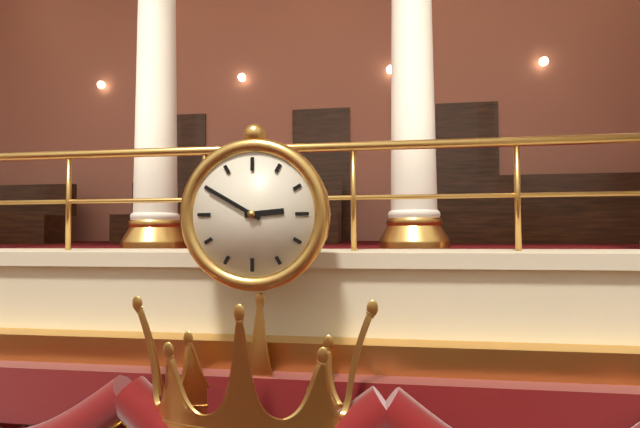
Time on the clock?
2:50
